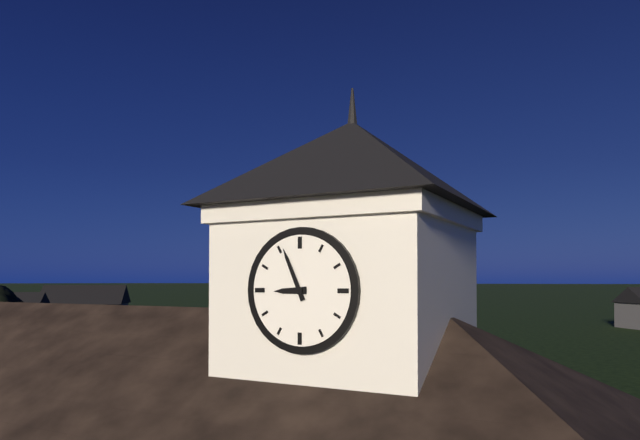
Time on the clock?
8:56
